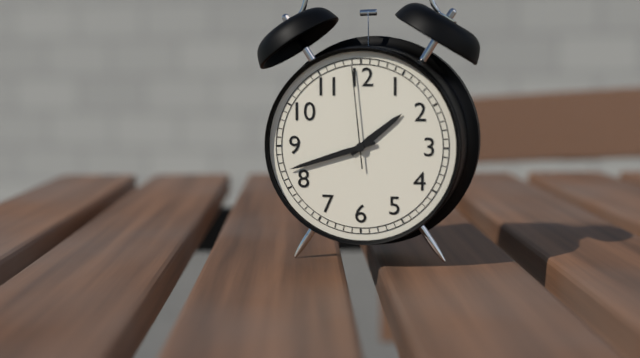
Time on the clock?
1:42:59
